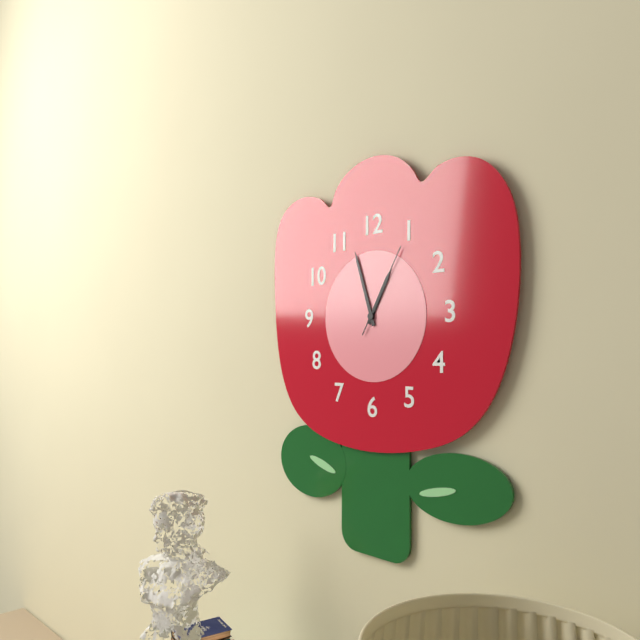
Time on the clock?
12:57:05
